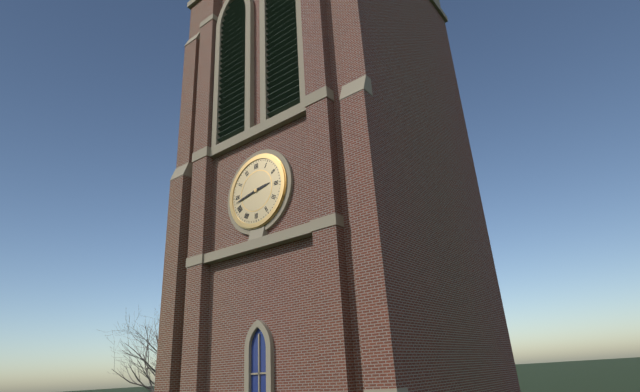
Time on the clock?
2:43
